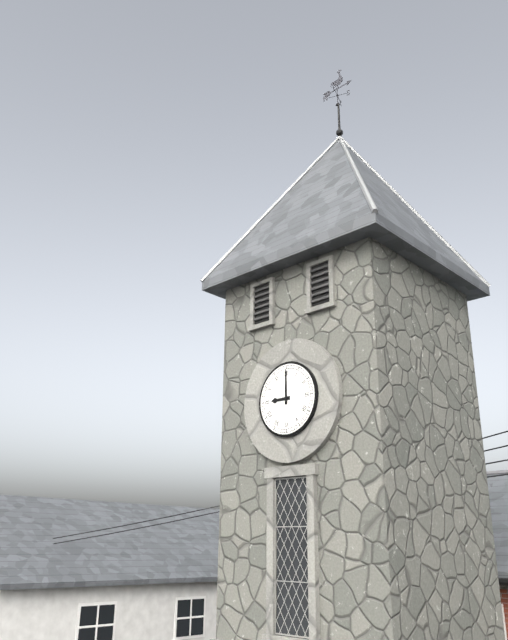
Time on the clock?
9:00
